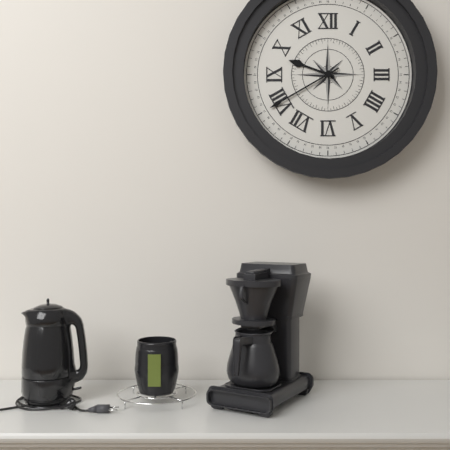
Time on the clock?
9:40
